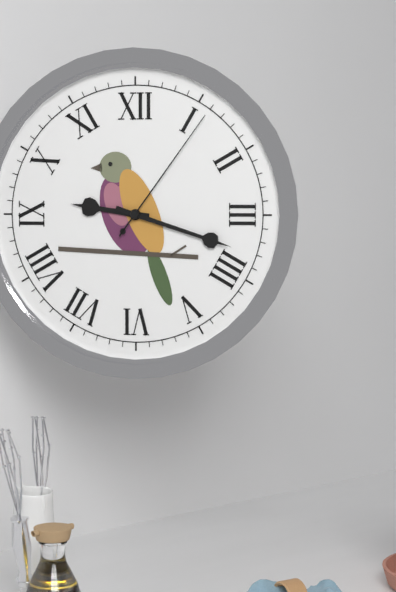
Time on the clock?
9:18:06
